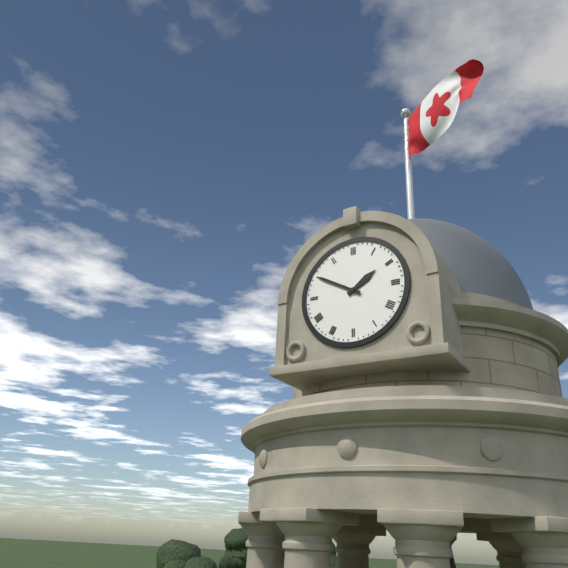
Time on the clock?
1:50
